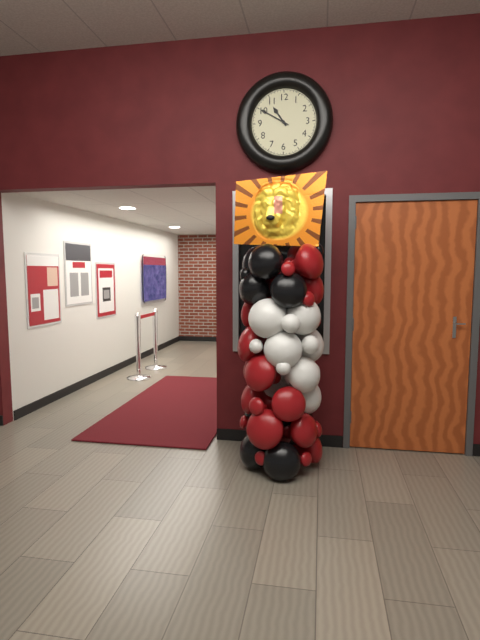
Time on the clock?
10:50
